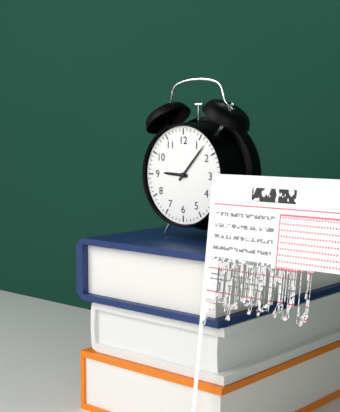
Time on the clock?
9:07
